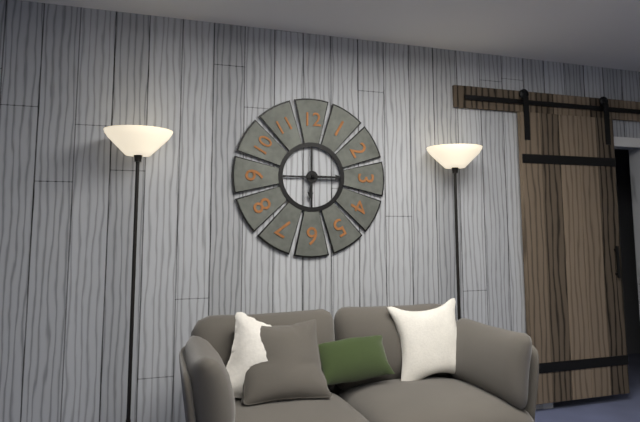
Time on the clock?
6:15
